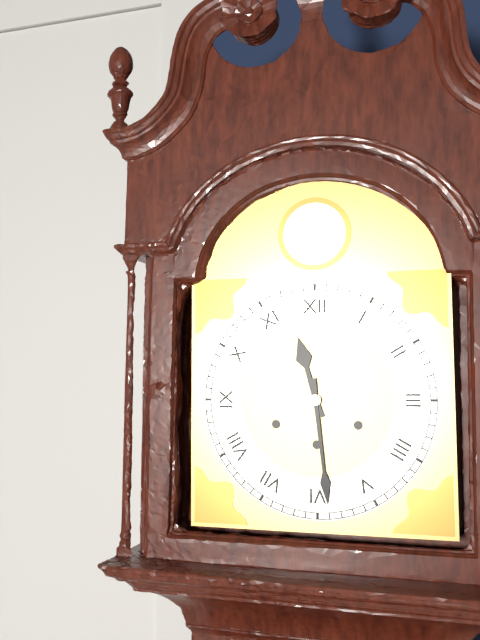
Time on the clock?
11:29
